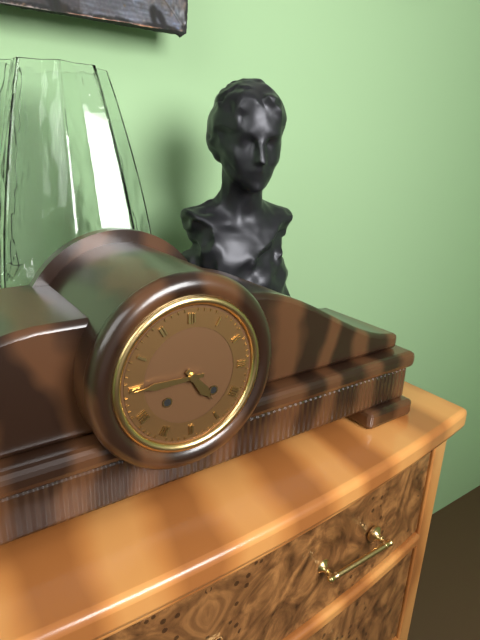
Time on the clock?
4:45
